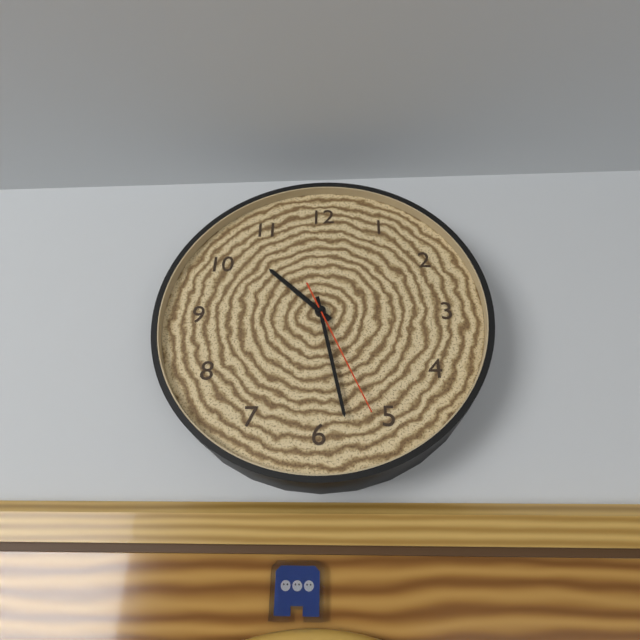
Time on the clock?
10:28:26
